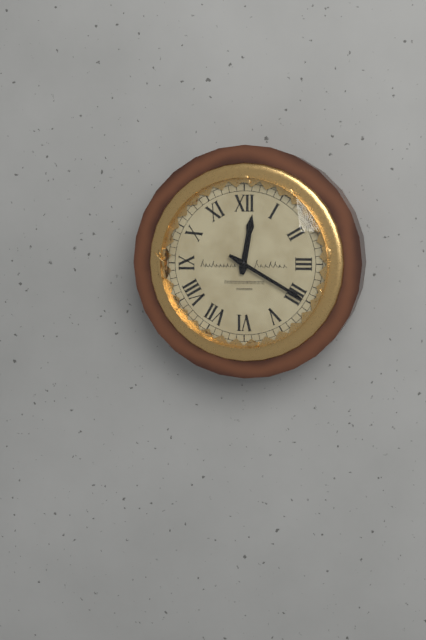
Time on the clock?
12:20
